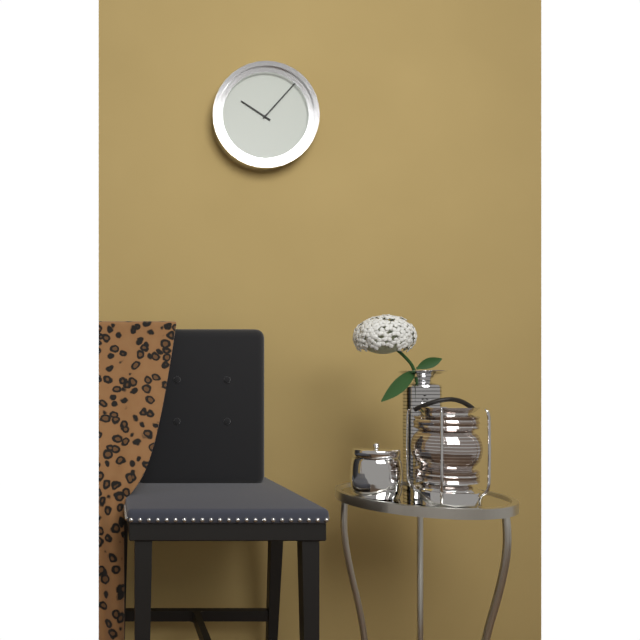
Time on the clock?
10:07
